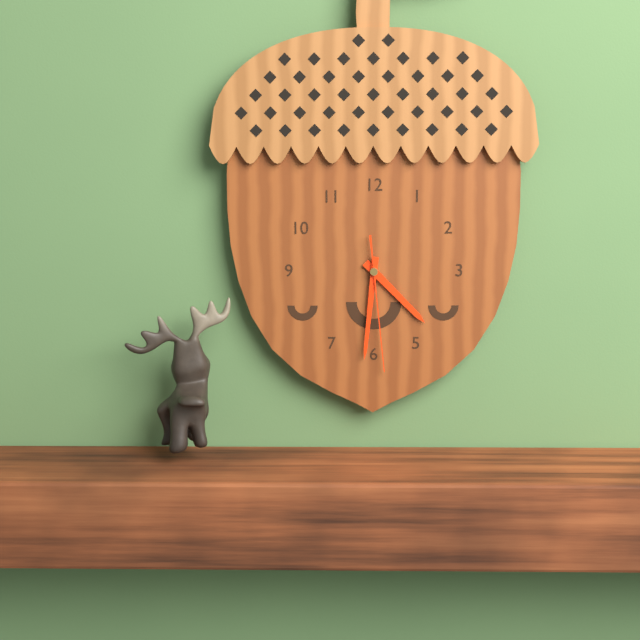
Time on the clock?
4:31:29
